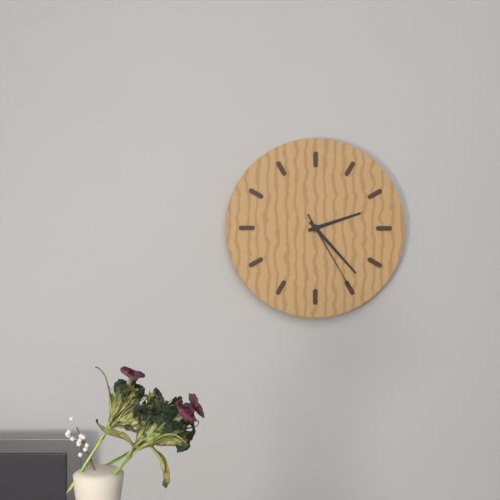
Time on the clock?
2:23:25
